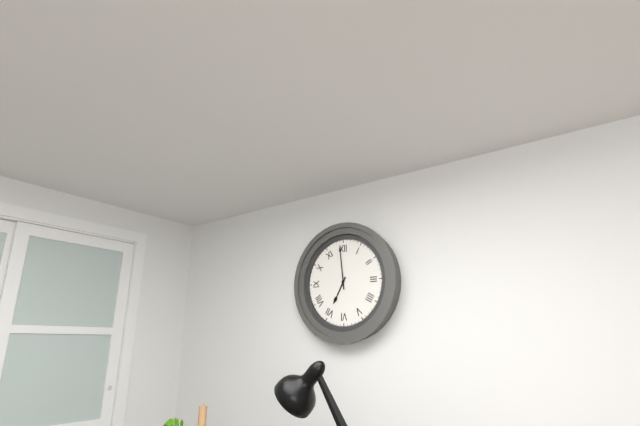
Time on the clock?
6:59
